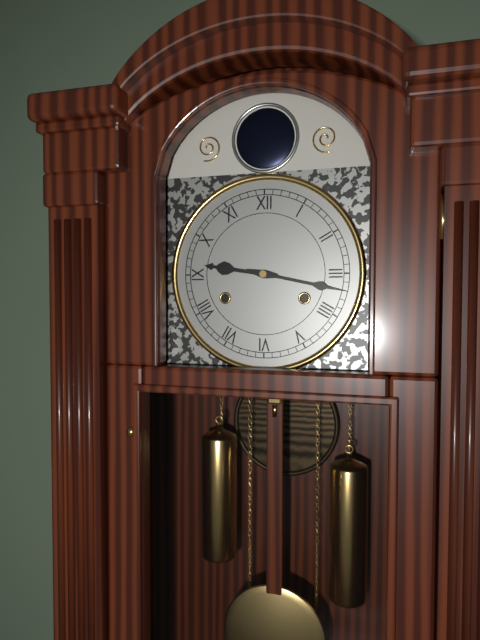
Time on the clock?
9:17
